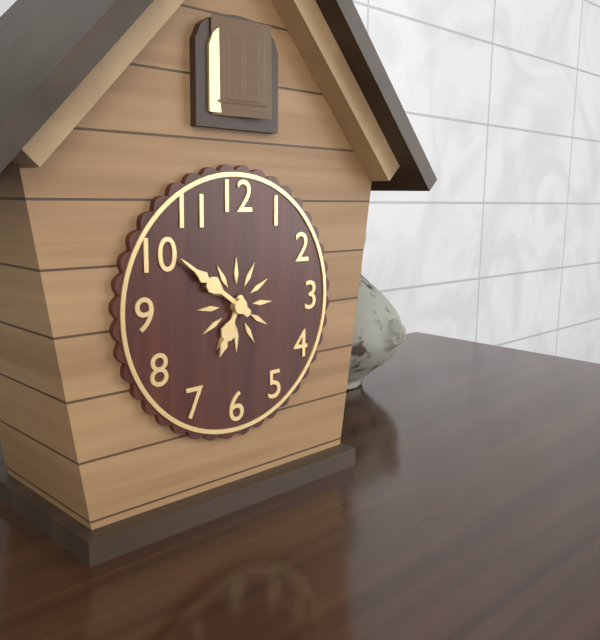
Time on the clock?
6:51
